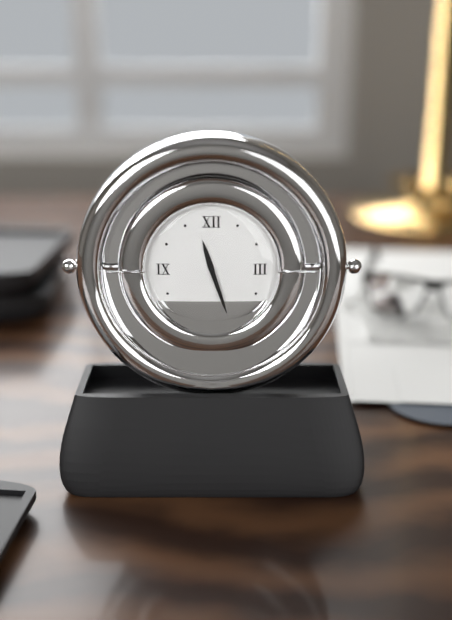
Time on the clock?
11:27
